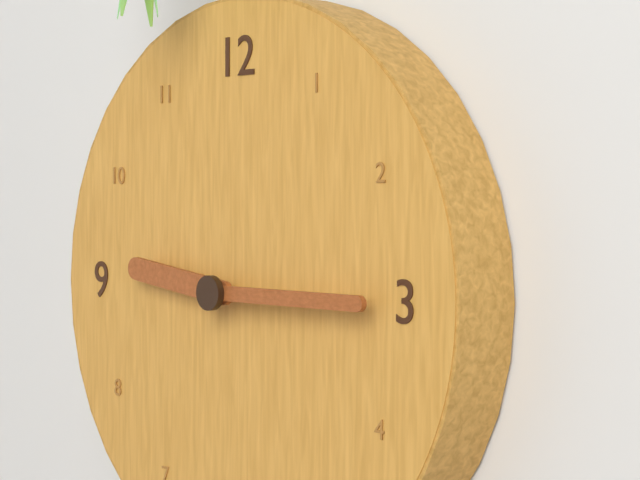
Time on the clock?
9:15
